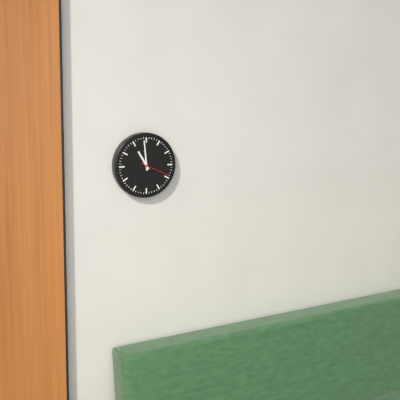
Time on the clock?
10:59
